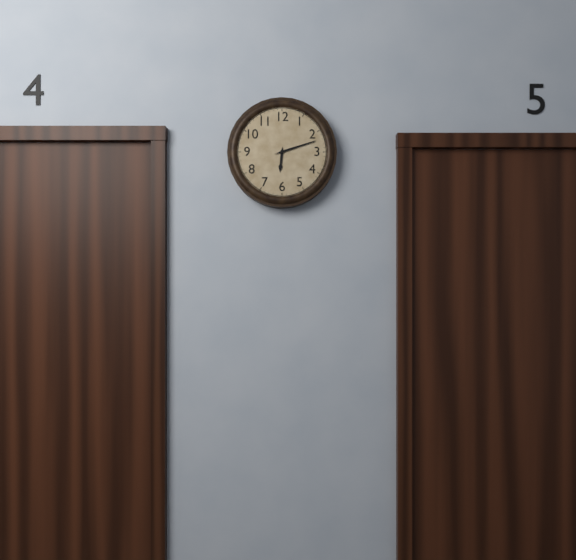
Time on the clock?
6:12
